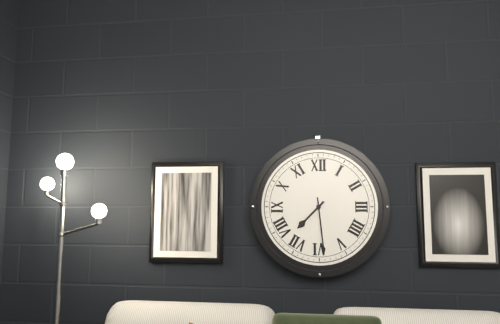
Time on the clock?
7:29
